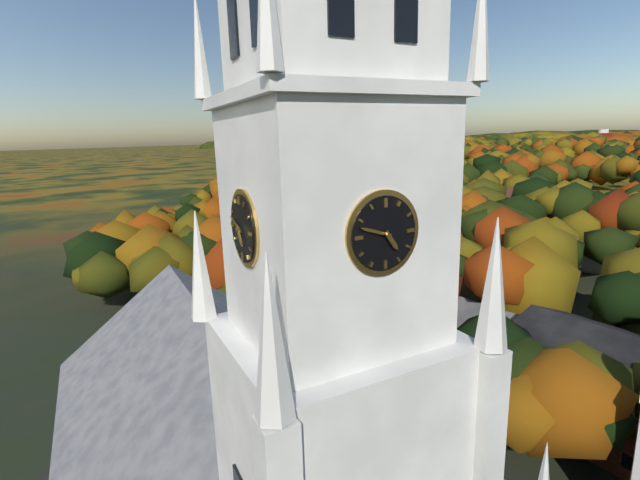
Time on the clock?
4:48
